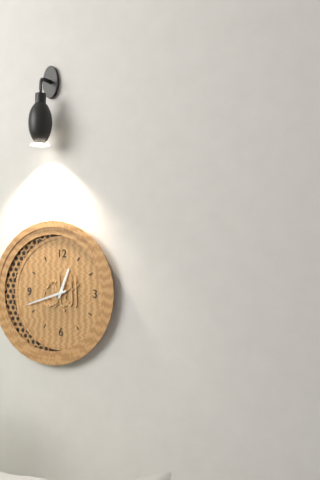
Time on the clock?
12:42
